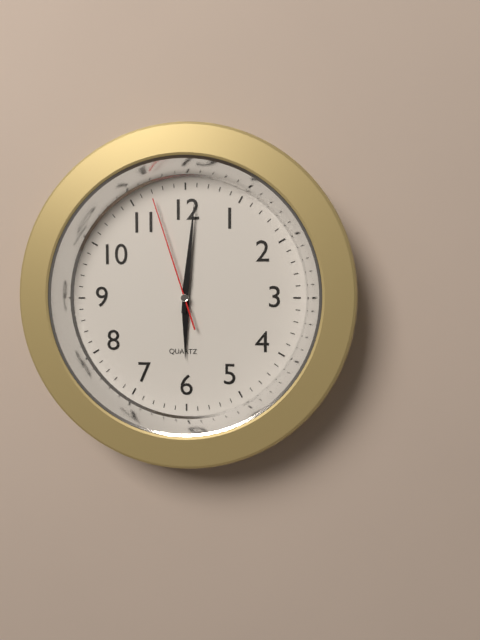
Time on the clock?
6:01:57
